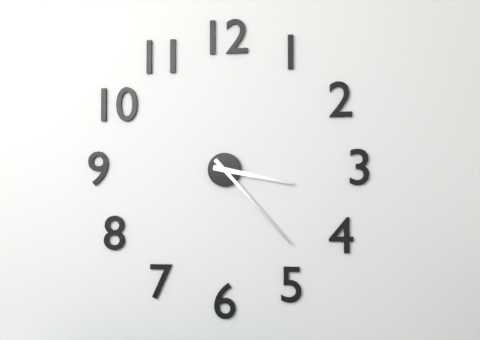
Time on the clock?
3:23
